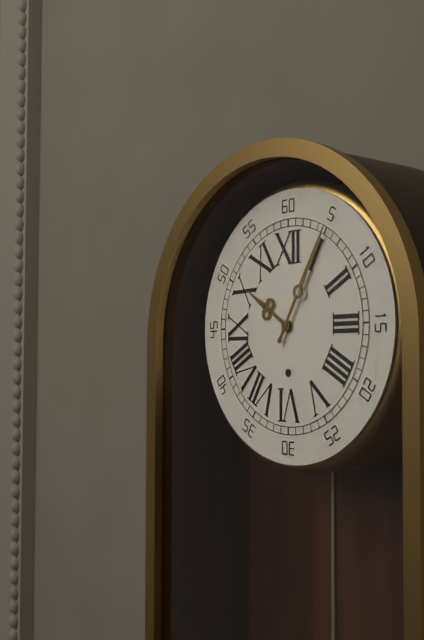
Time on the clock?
10:05
